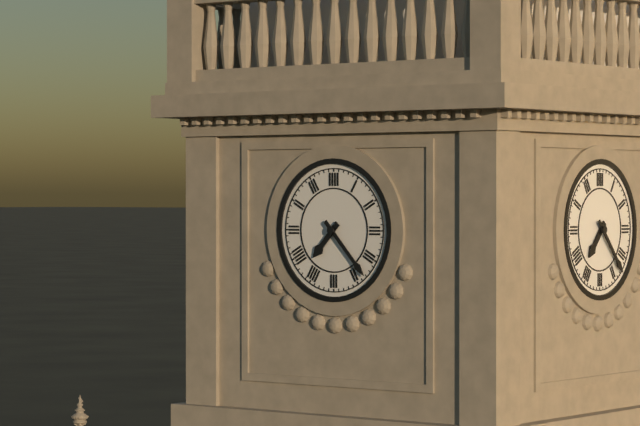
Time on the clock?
7:23
